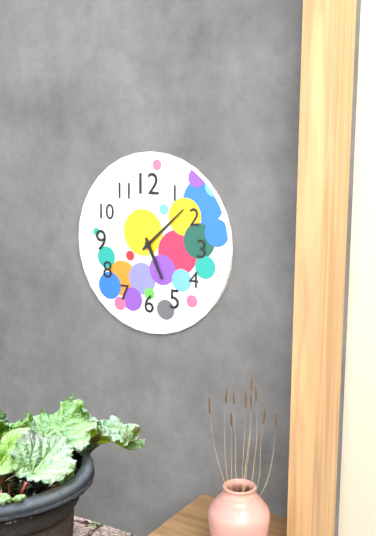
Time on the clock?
5:08
